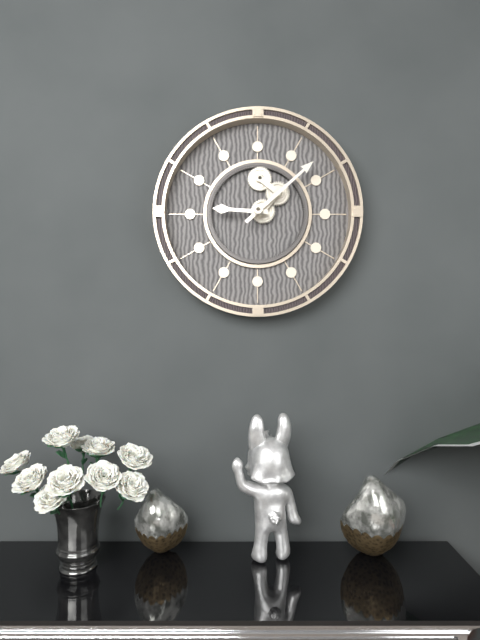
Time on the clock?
9:08
